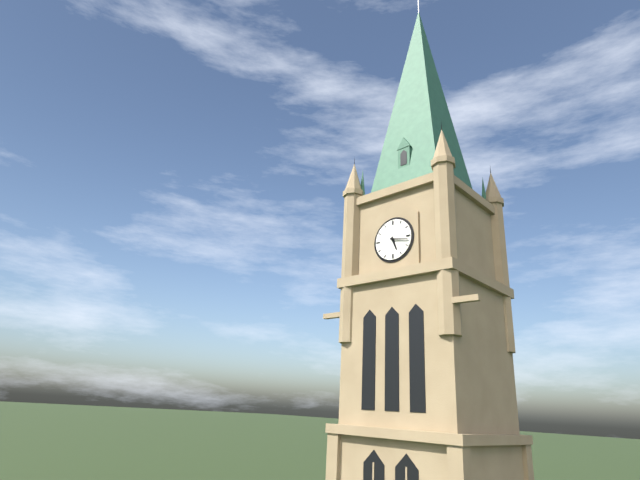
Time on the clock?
5:17
